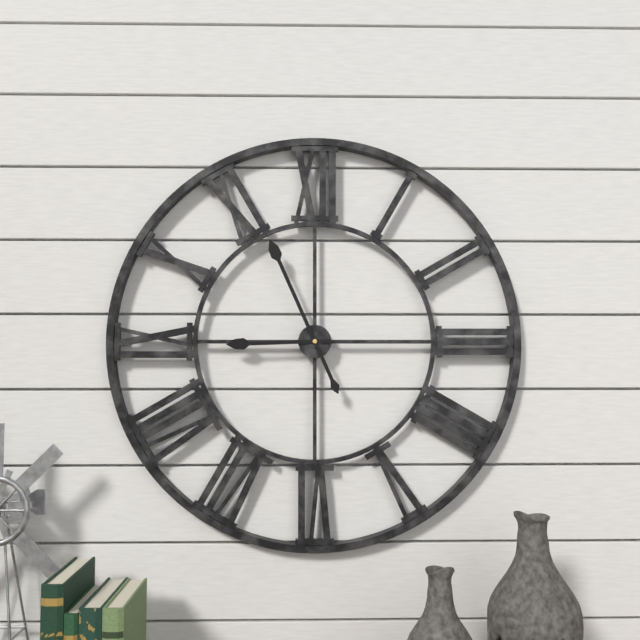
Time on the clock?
8:56
